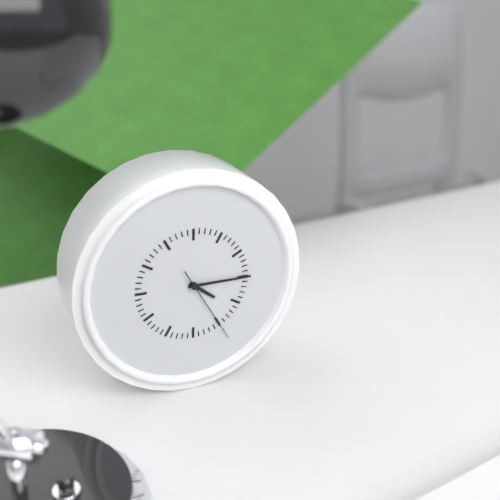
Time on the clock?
4:15:25
